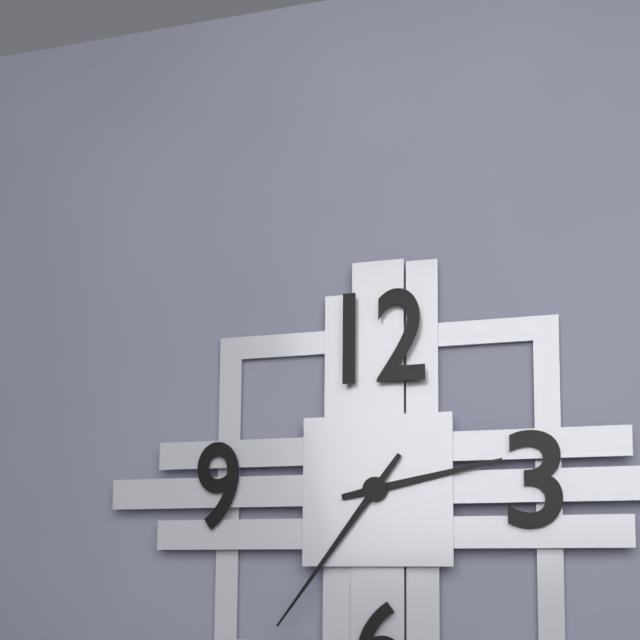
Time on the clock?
2:36
